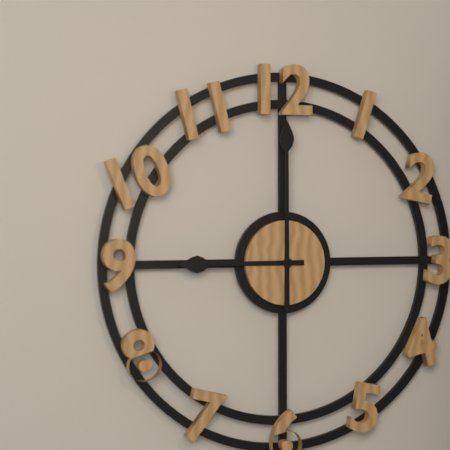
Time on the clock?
9:00
